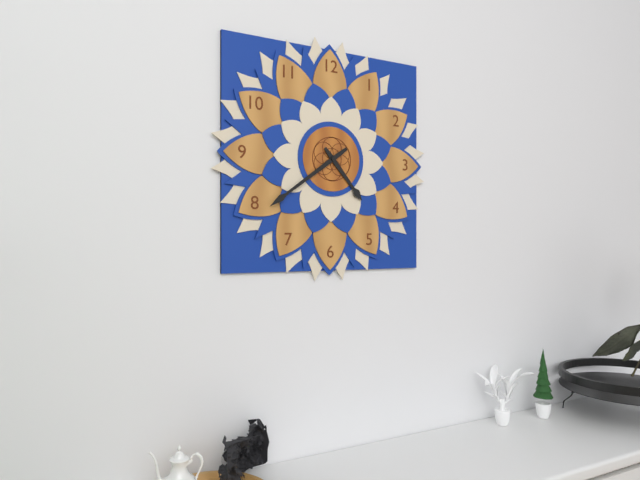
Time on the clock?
4:39
